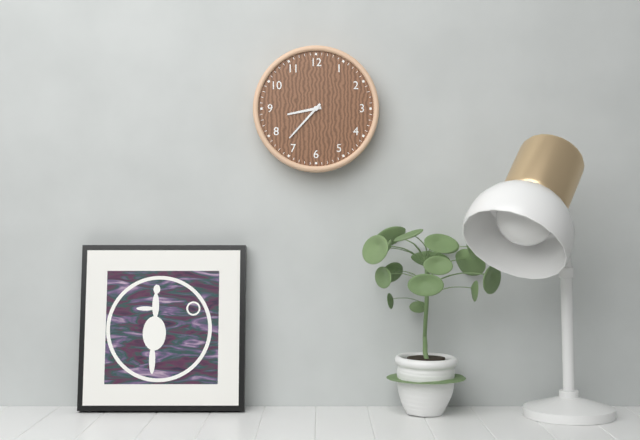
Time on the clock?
8:37
